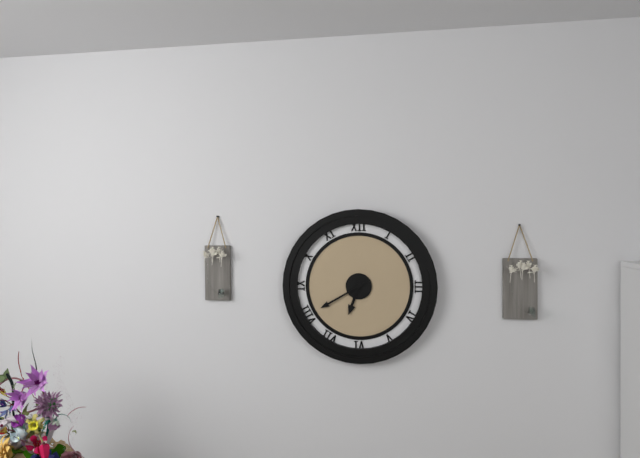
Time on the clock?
6:40
